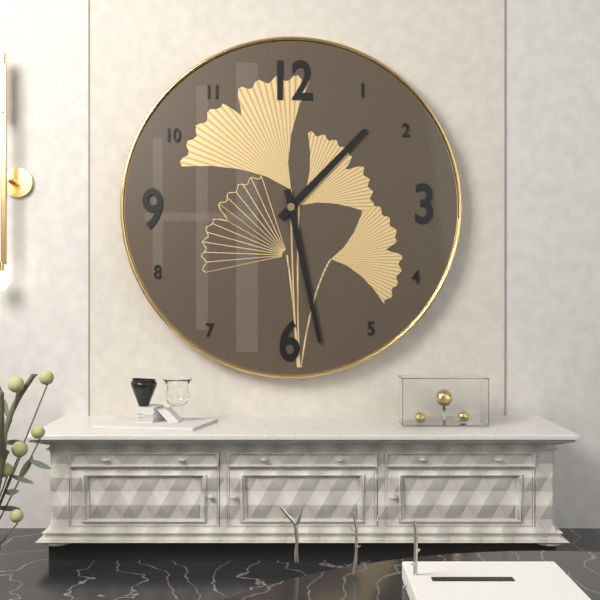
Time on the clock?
1:28
